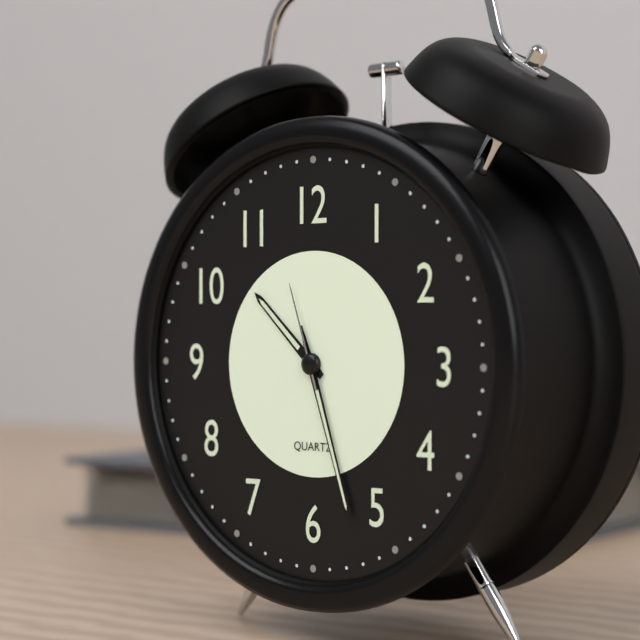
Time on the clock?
10:27:57
